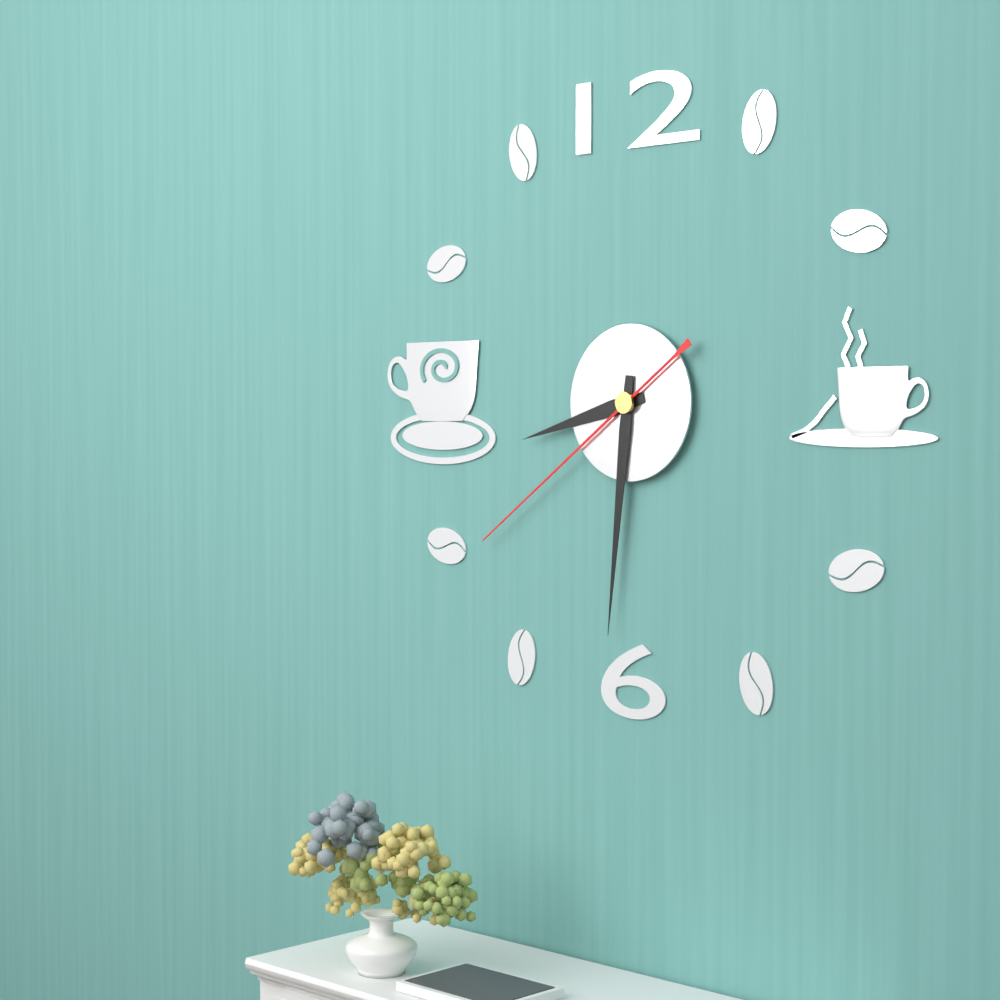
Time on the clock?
8:31:39
